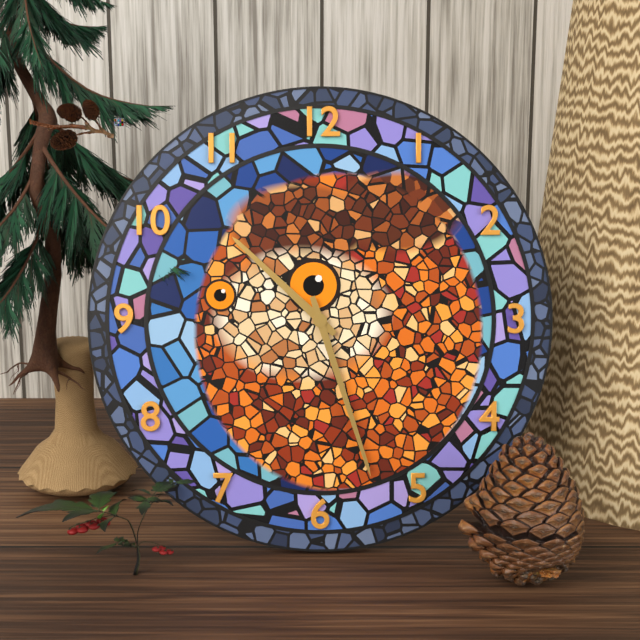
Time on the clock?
10:27
